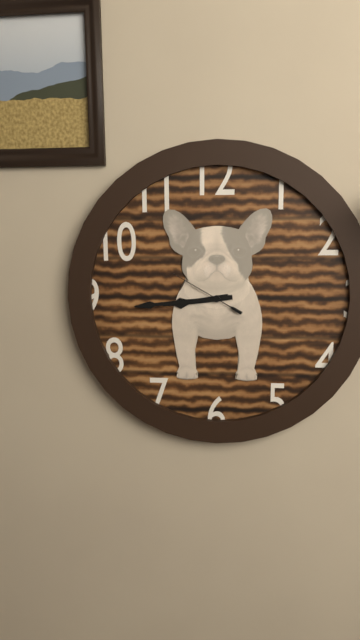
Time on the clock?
8:44:50
